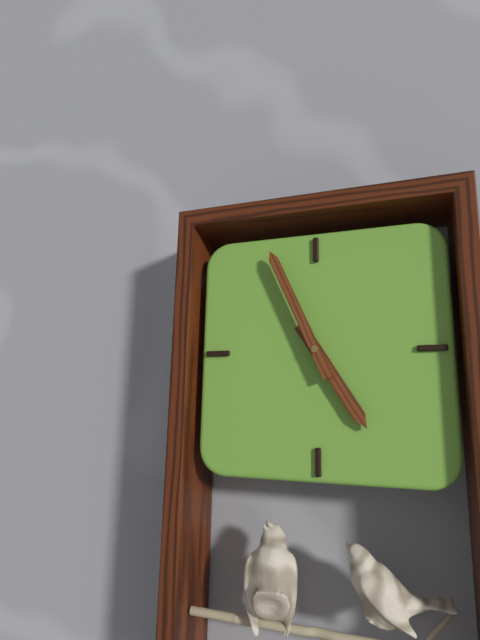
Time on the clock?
4:56
